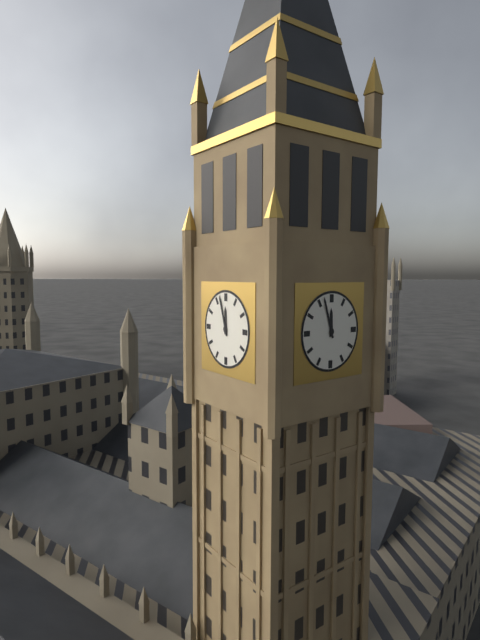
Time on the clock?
11:57
